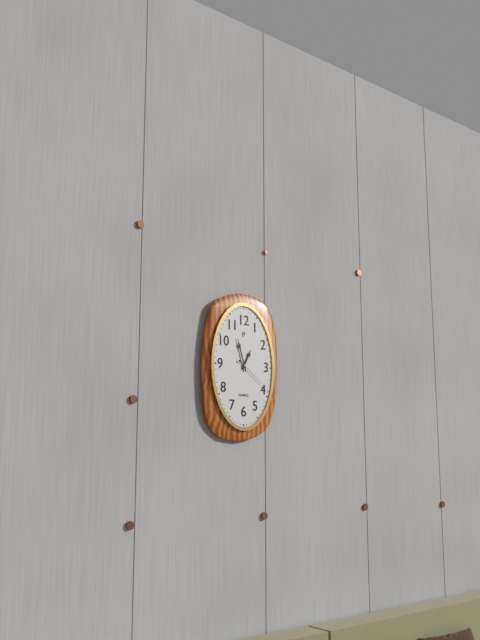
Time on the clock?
12:57
